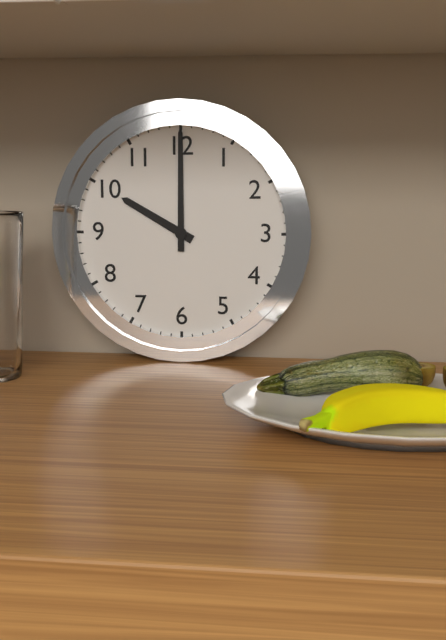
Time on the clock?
10:00
